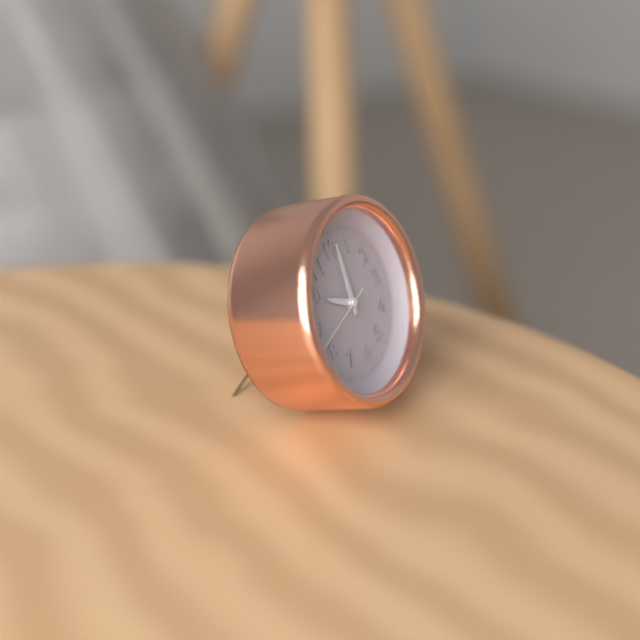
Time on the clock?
10:01:43
